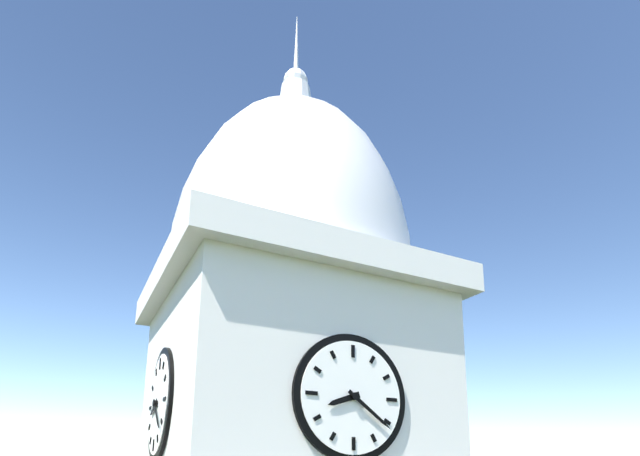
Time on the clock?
8:21
